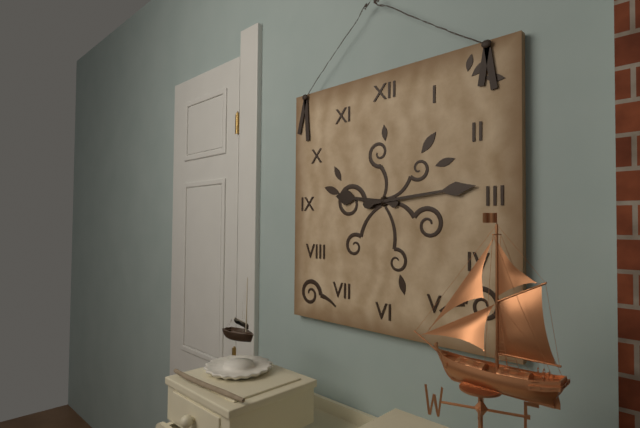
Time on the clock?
9:14
